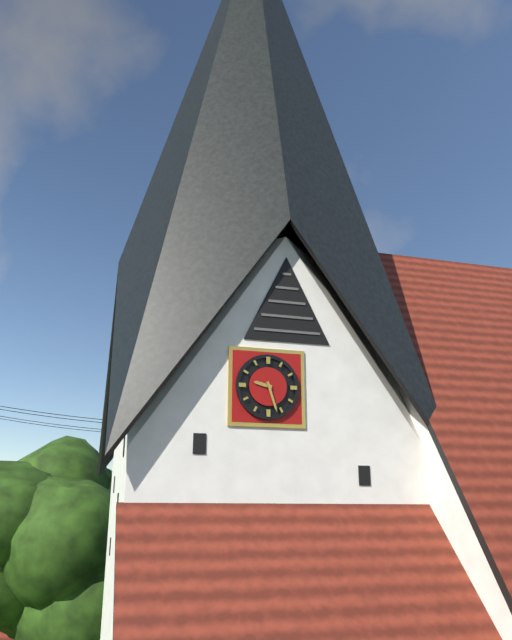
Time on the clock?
9:27
